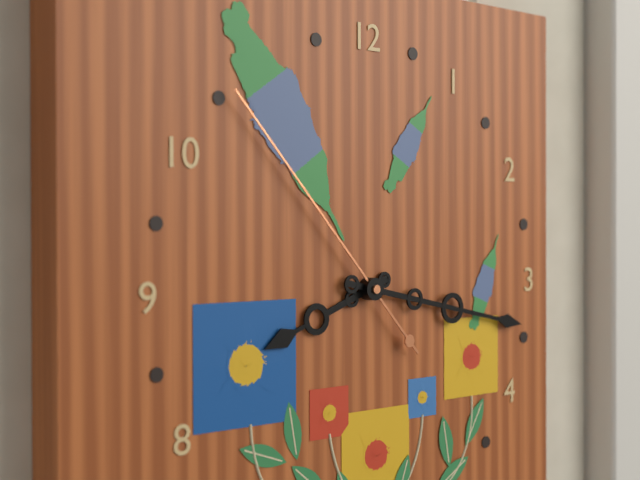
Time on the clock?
8:17:53
